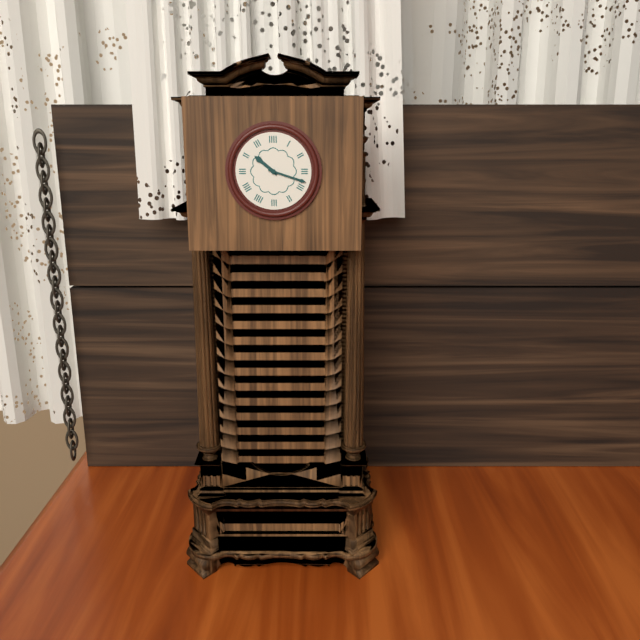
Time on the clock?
10:18
